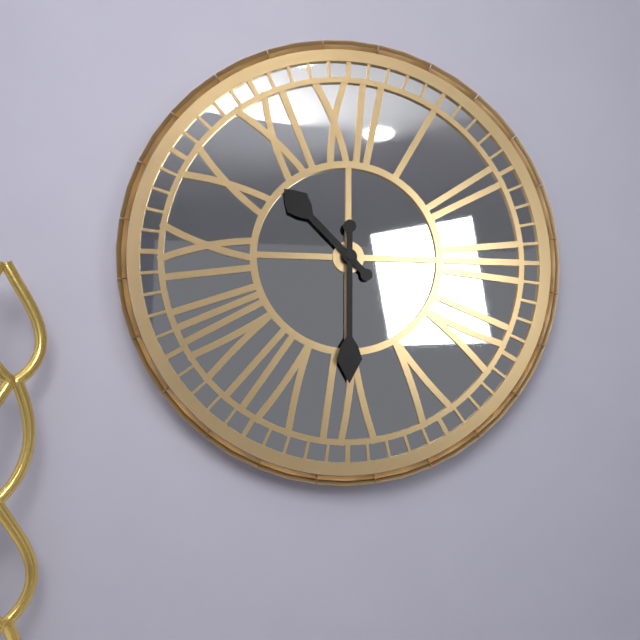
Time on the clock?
10:30
